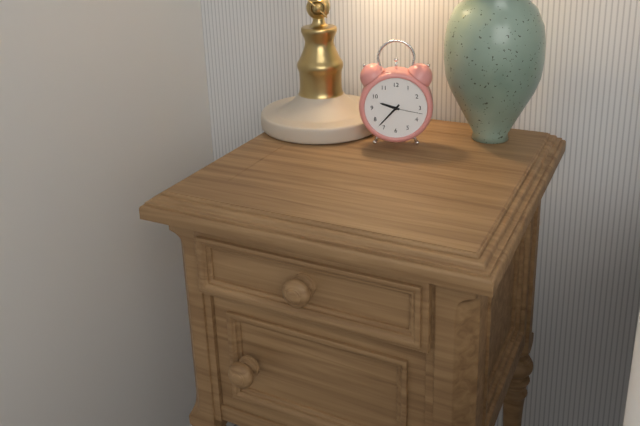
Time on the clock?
9:37
